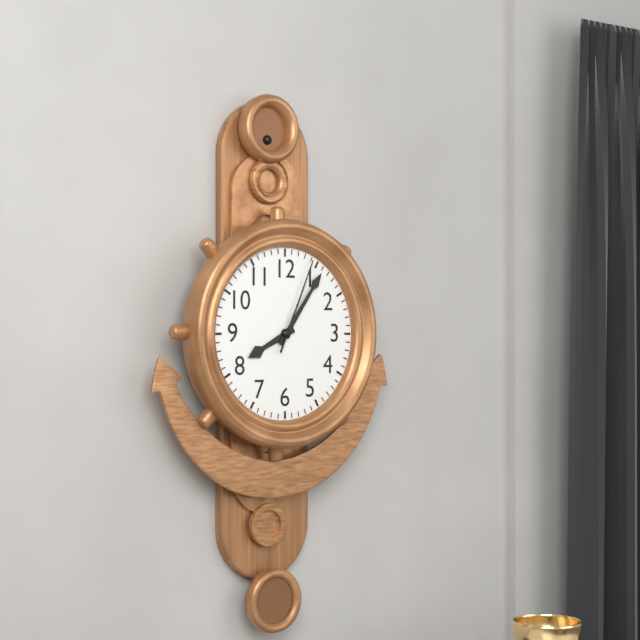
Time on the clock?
8:06:04
